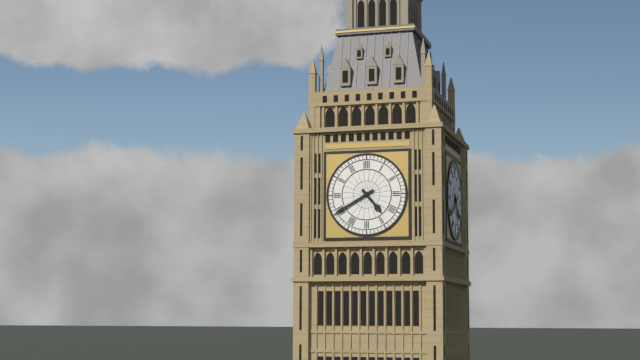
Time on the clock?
4:40
